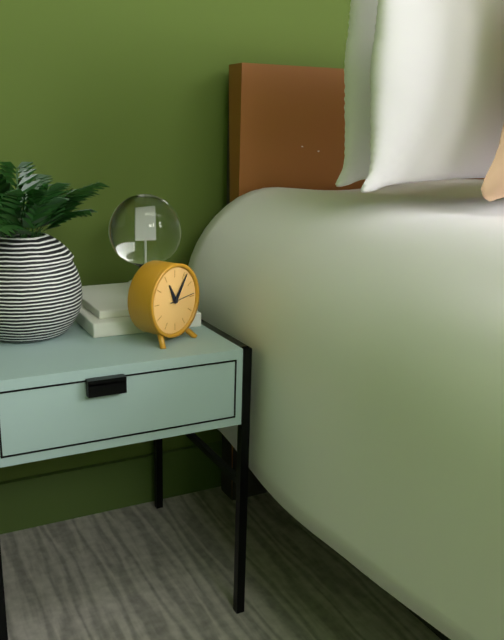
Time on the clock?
11:06
